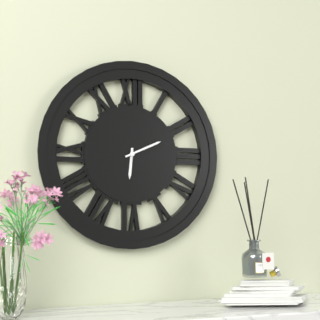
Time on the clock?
6:11
